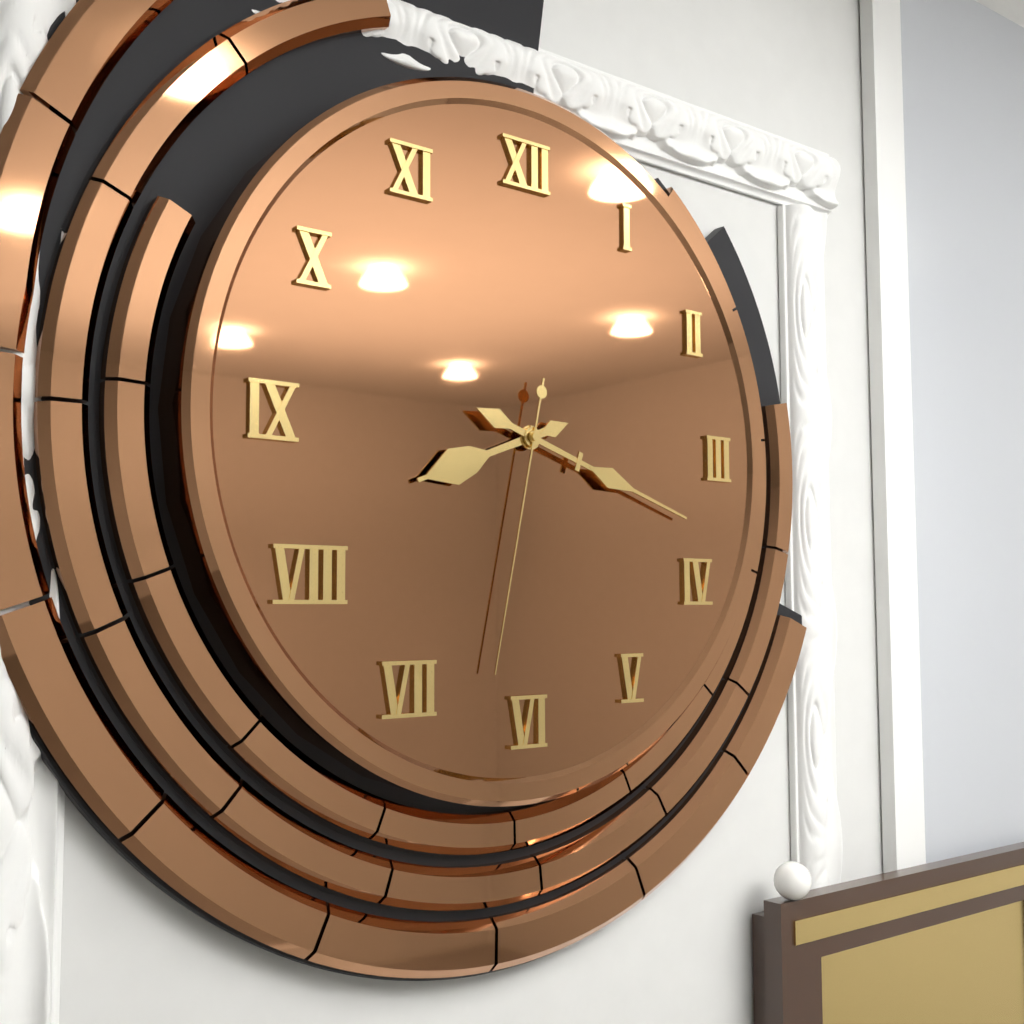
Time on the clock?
8:18:32
